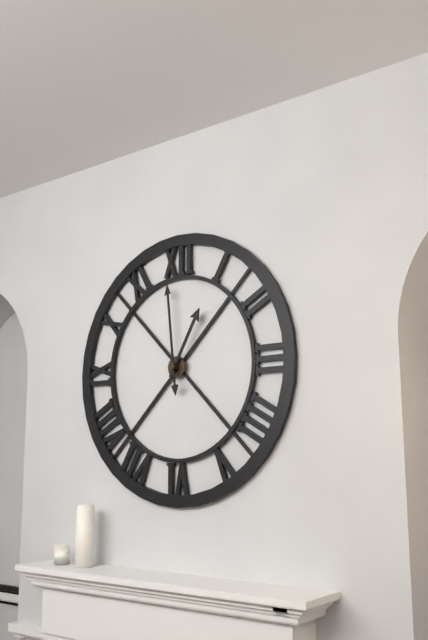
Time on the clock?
12:59
